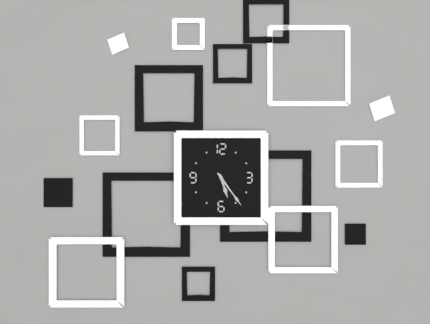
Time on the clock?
5:24
